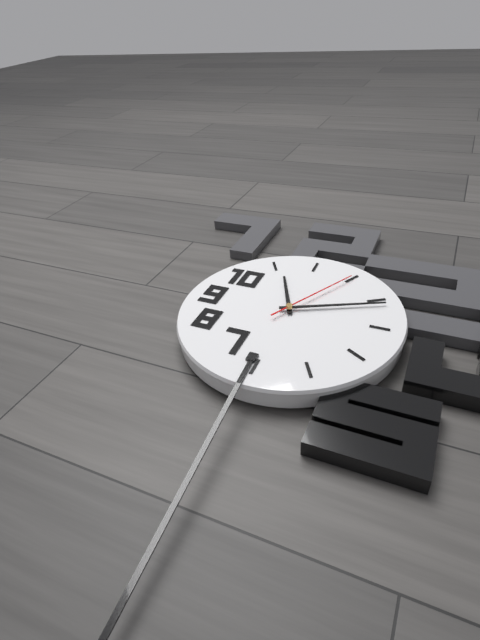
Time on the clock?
11:11:05
